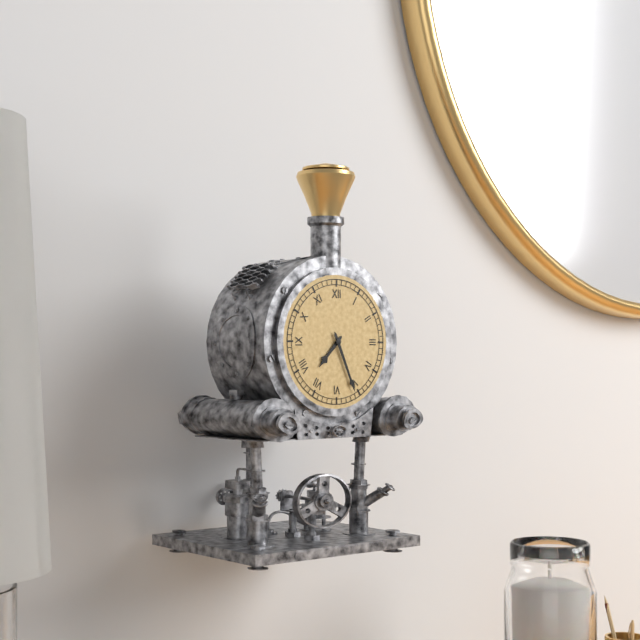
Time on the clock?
7:26
